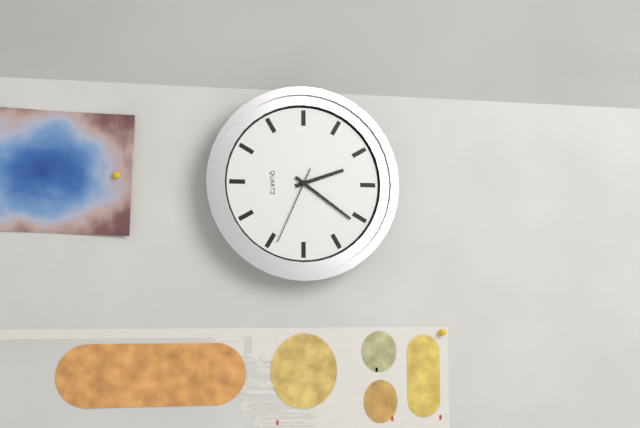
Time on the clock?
2:21:34
